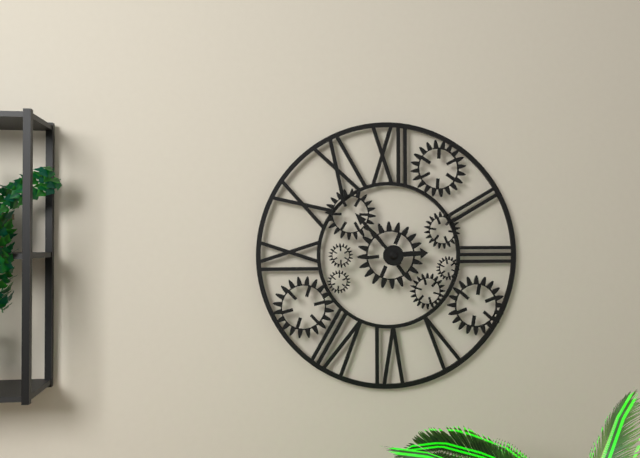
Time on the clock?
2:53
